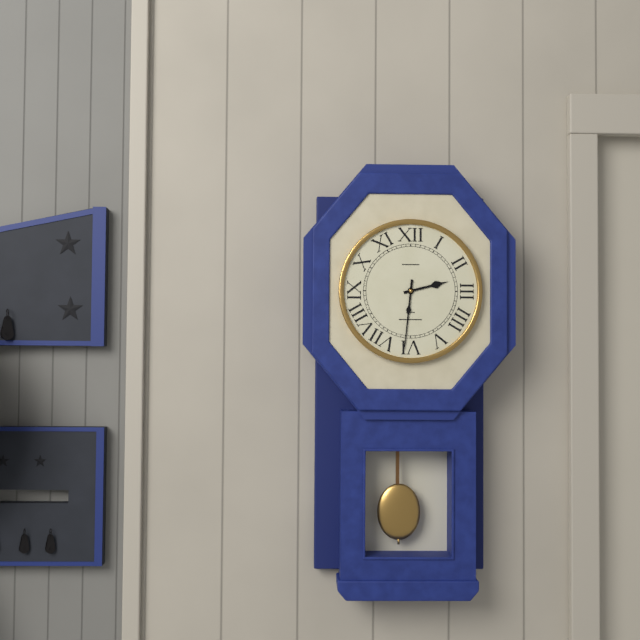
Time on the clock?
2:31
